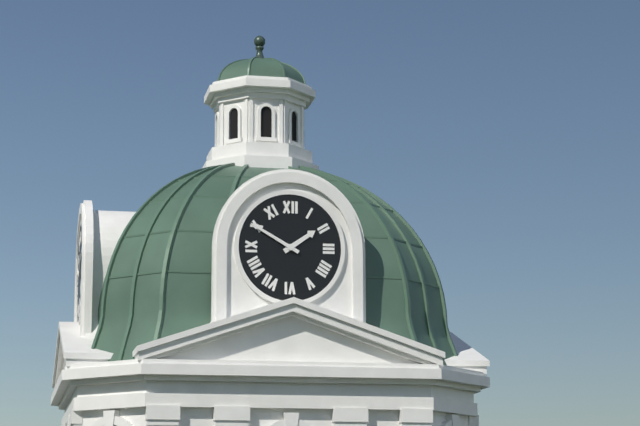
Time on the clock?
1:50
